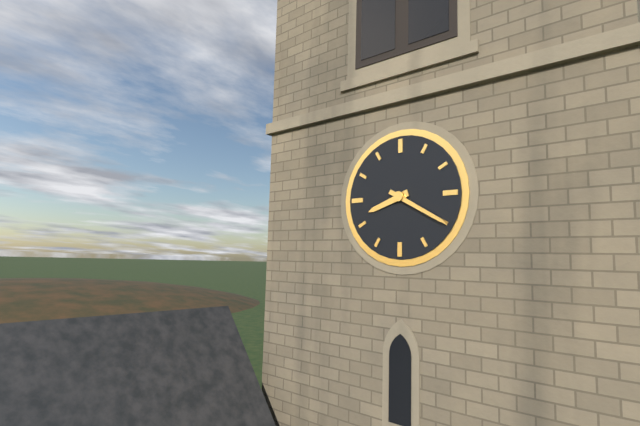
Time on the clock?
8:20
